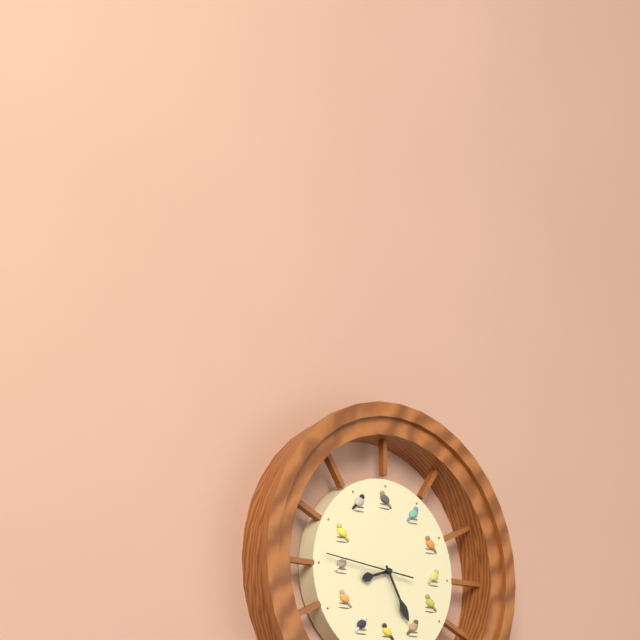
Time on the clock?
8:25:46
